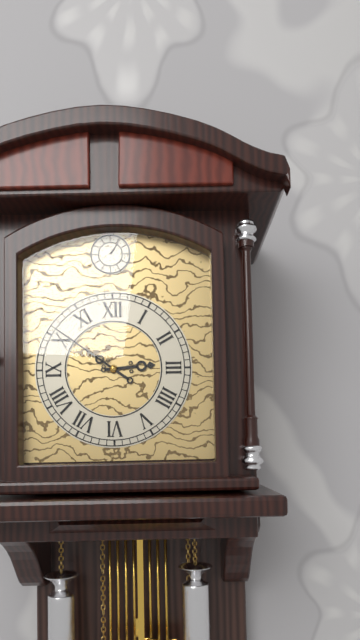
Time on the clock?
2:51
